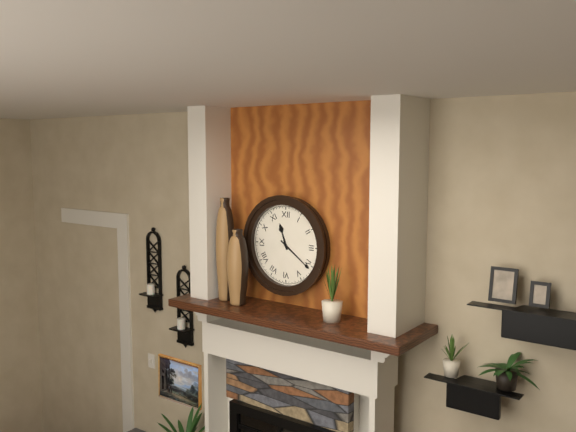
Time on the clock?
11:21
